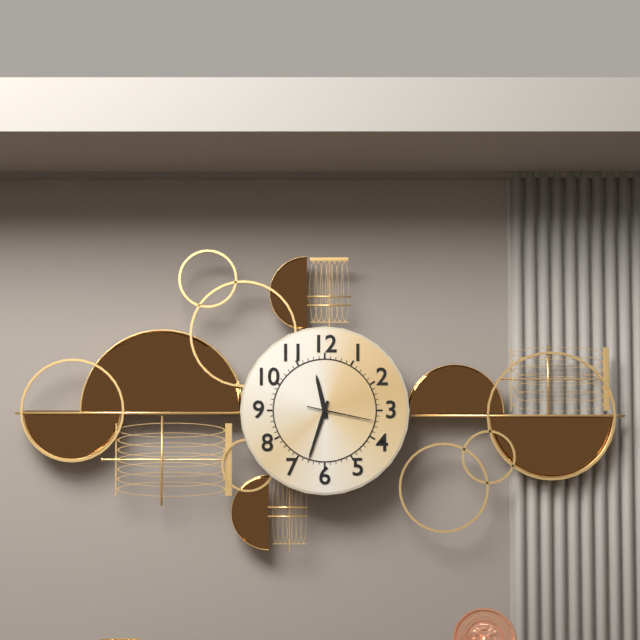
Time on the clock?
11:33:17
